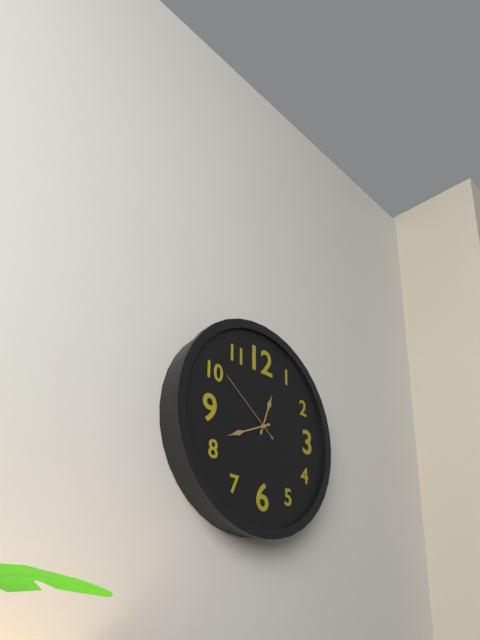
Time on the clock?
12:41:51
